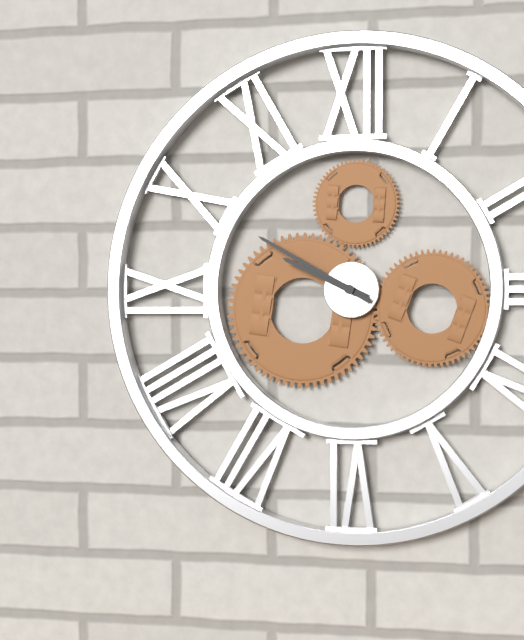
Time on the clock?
9:50
